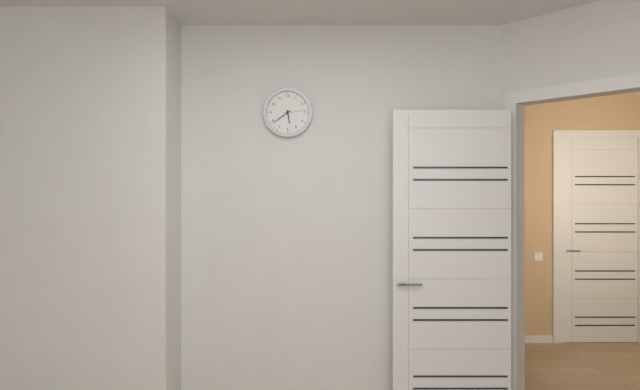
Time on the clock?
5:39
